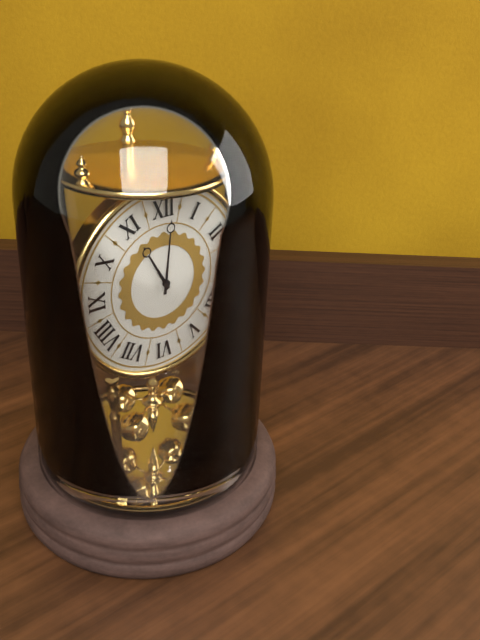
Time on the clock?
11:01
